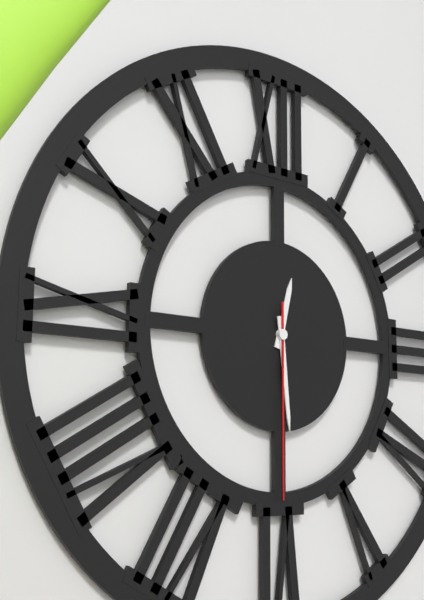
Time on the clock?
12:29:30
